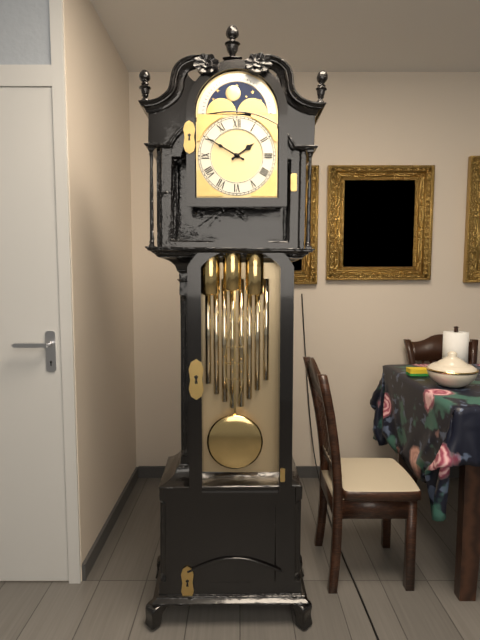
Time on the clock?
1:50
